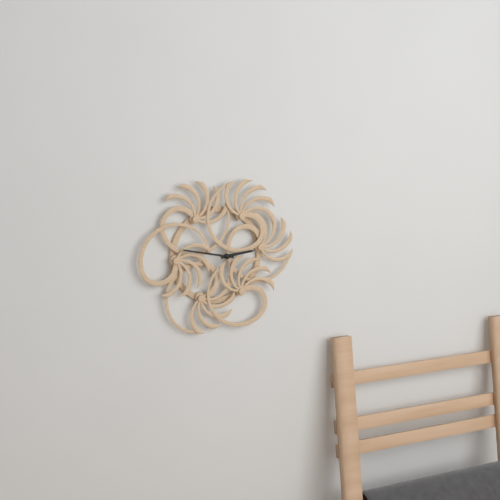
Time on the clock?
2:47
